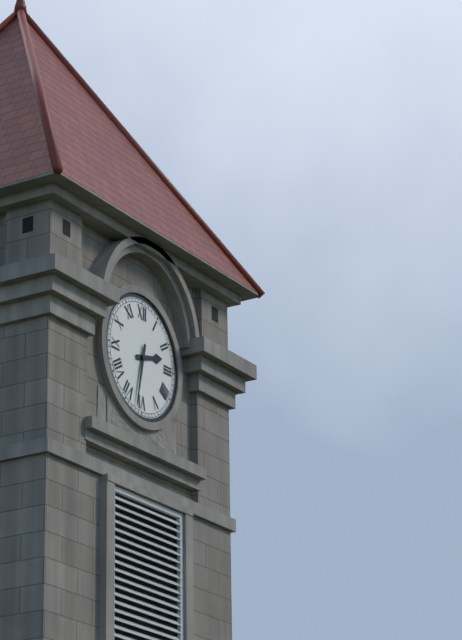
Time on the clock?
2:32
